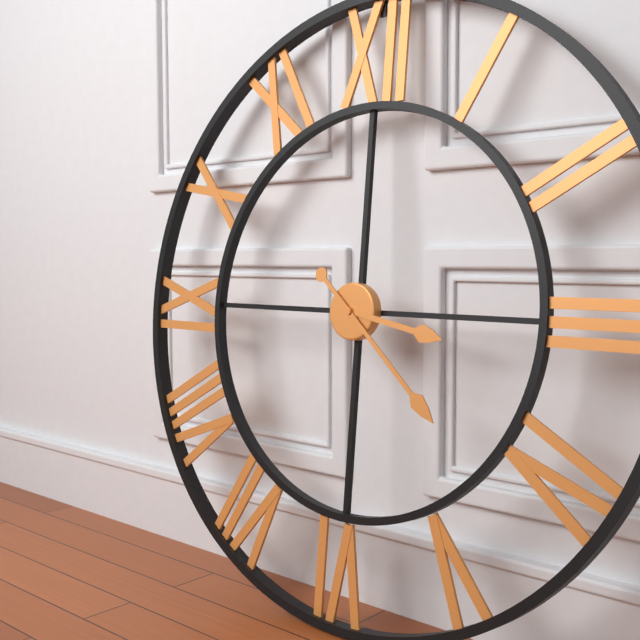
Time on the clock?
3:22
